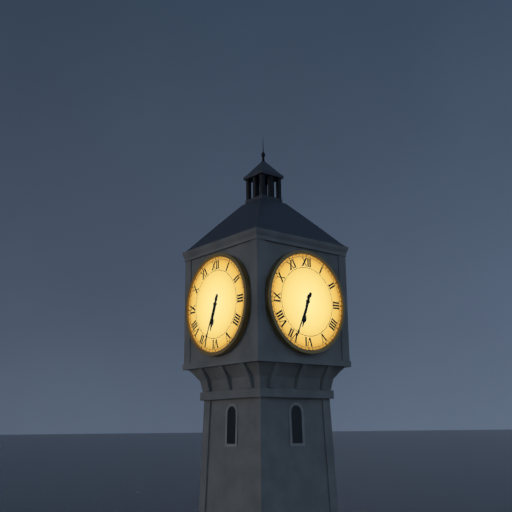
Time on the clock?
6:34
